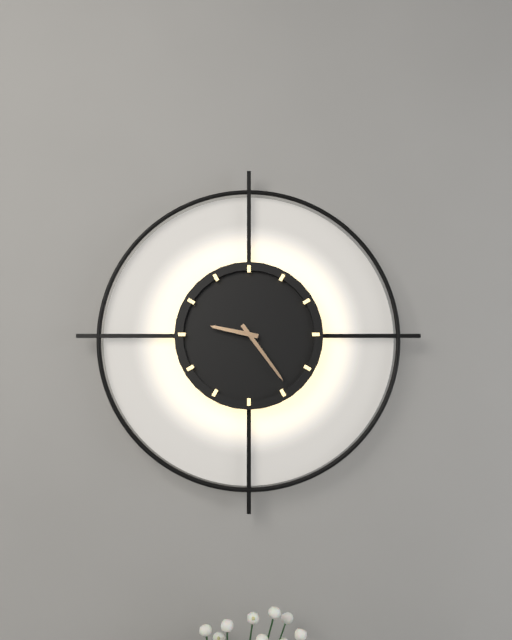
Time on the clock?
9:24
